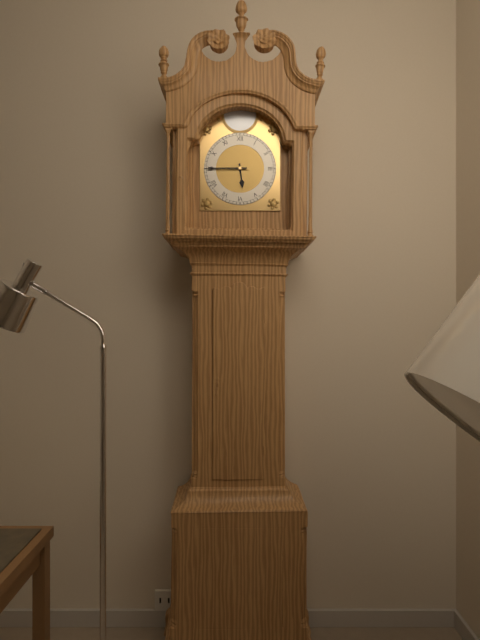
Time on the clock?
5:45
